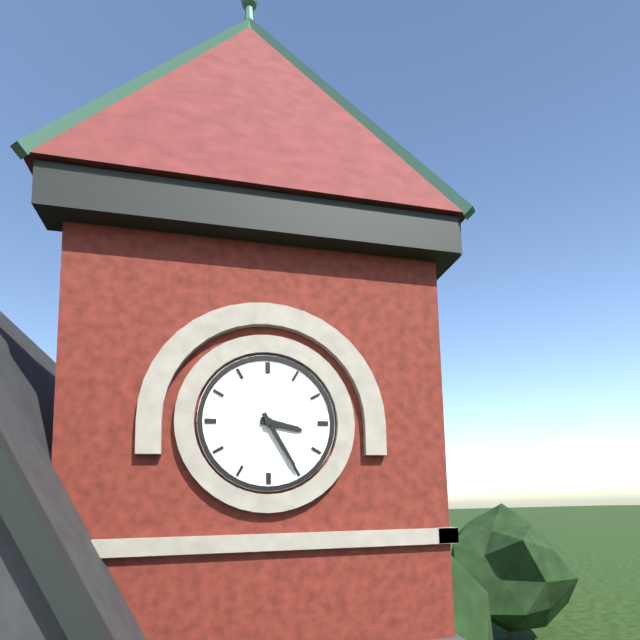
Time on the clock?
3:25
